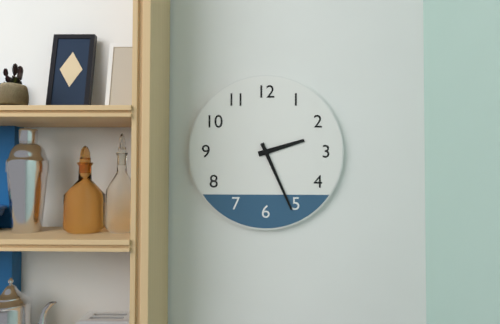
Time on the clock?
2:26
